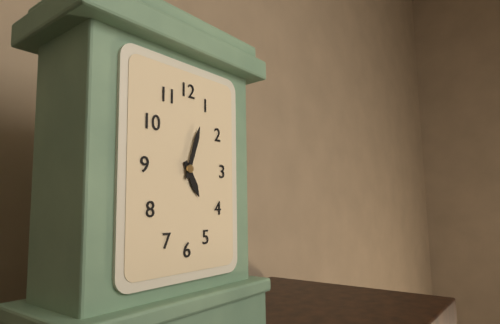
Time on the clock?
5:03
